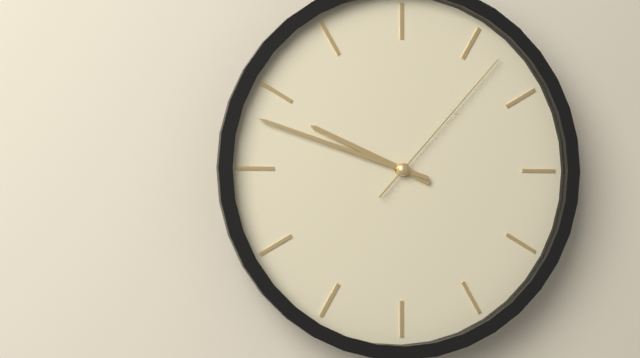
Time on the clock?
9:48:07
